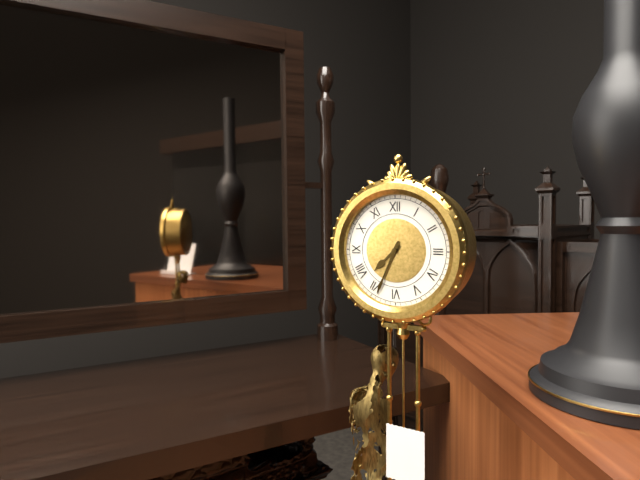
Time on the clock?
7:34
